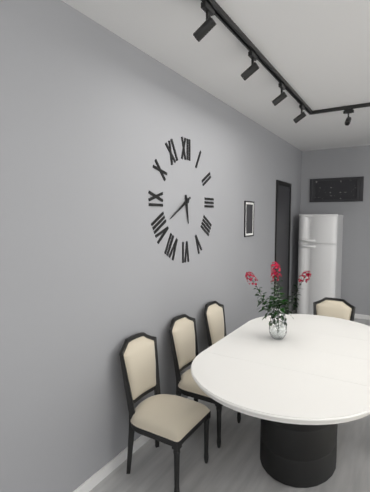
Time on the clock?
5:40
